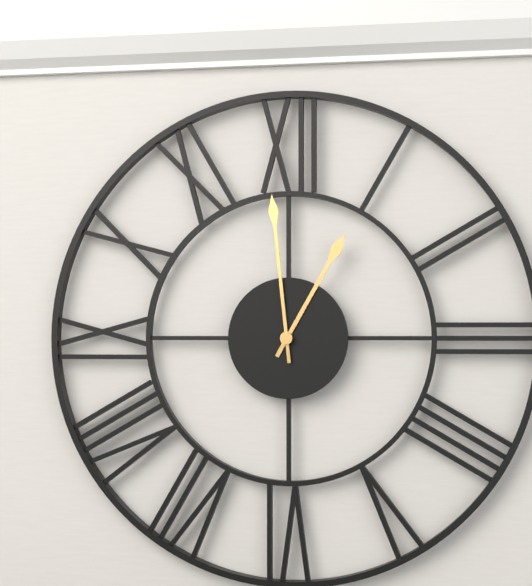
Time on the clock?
12:59
